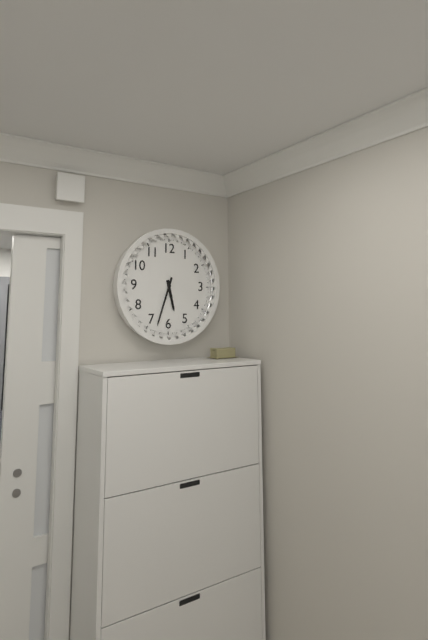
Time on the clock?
5:33
